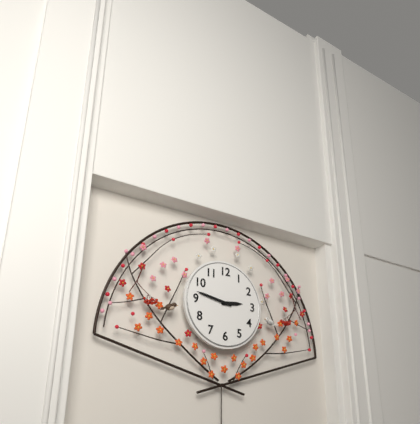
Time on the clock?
2:47
